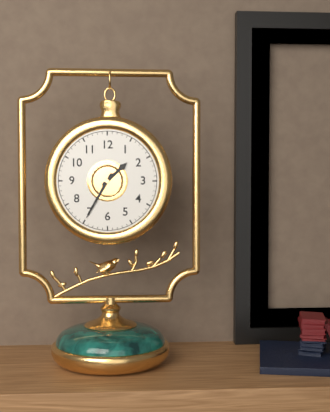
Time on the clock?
1:35
